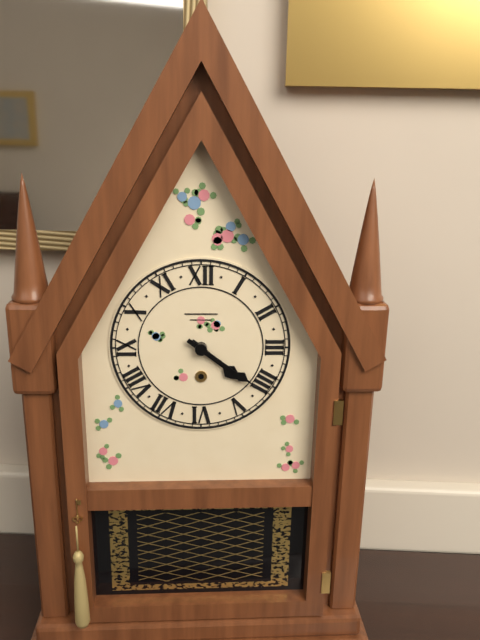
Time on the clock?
4:21
